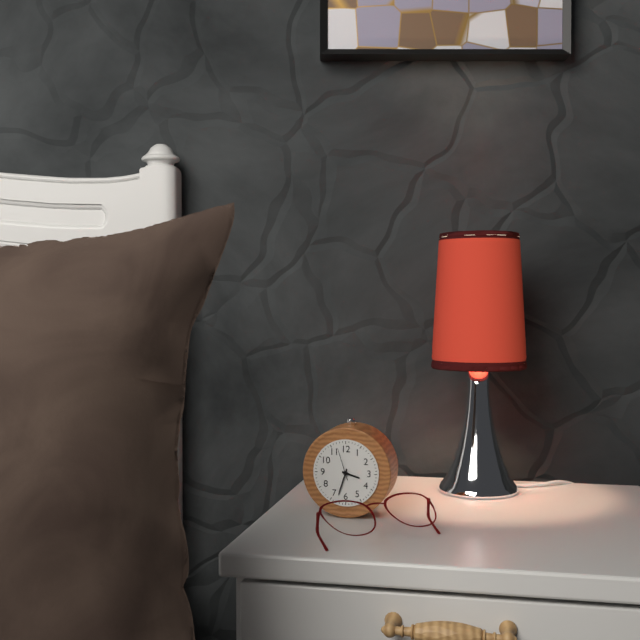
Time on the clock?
3:33
